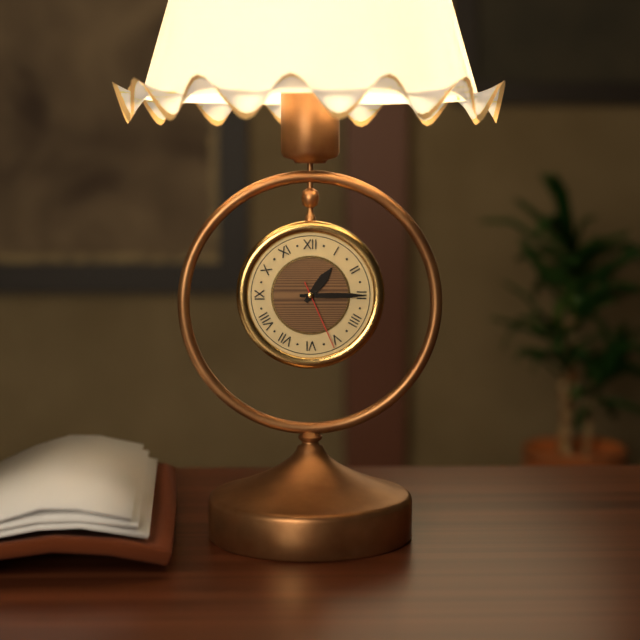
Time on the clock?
1:15:26
